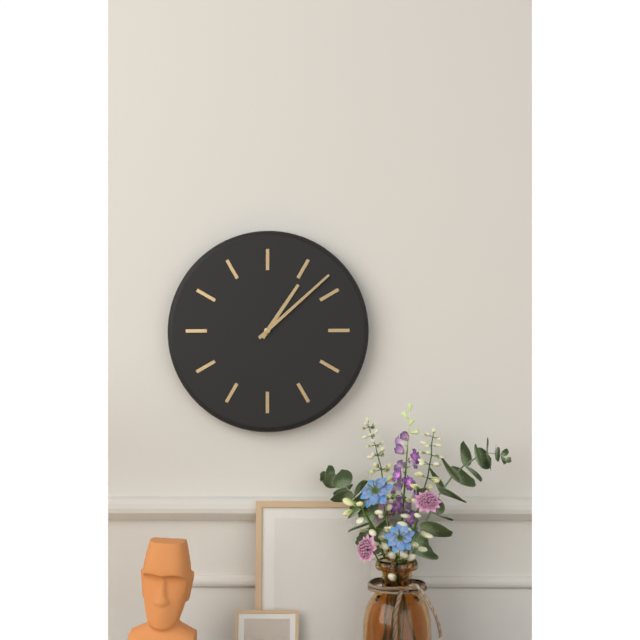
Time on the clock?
1:08
